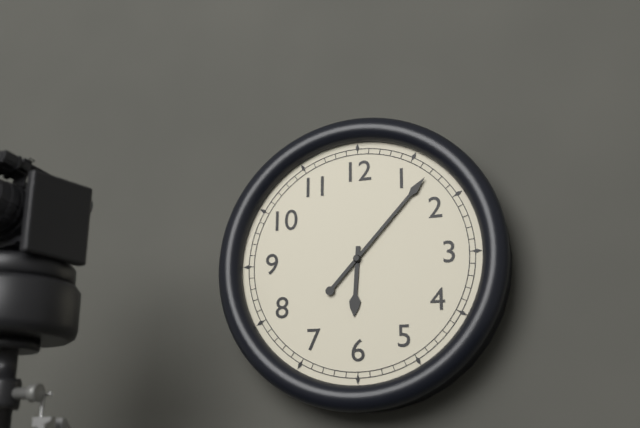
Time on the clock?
6:07
